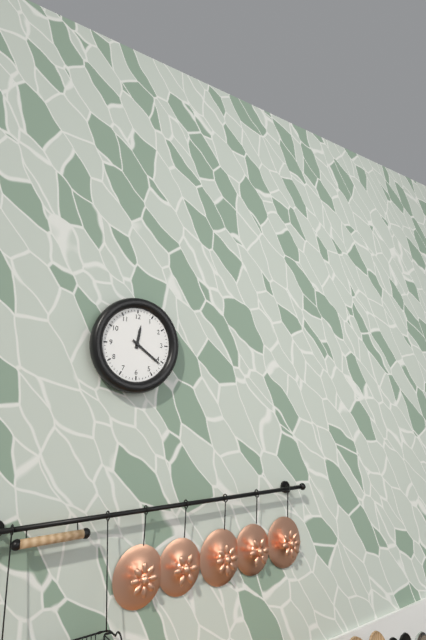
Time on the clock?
12:21
